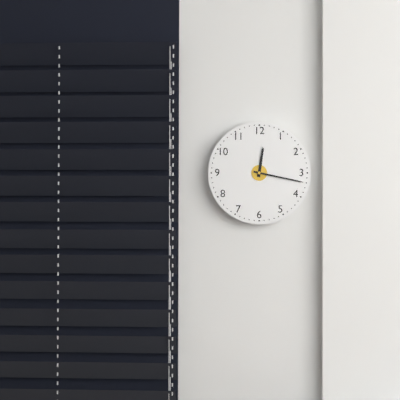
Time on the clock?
12:17
